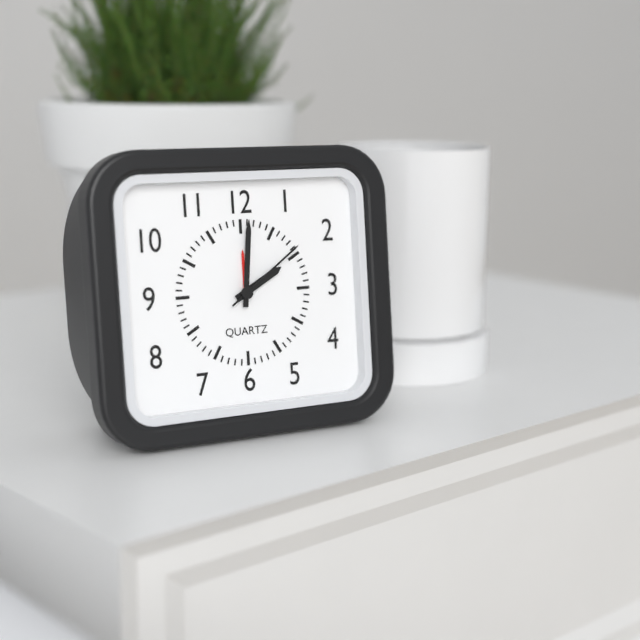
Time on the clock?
2:01:09
